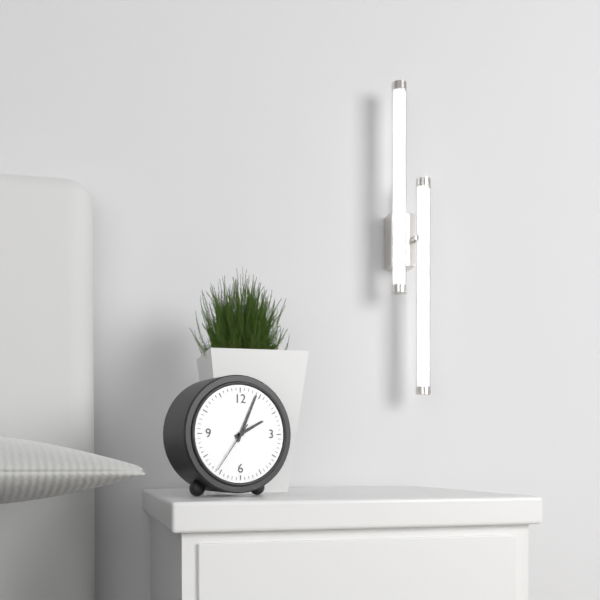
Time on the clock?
2:04:36
